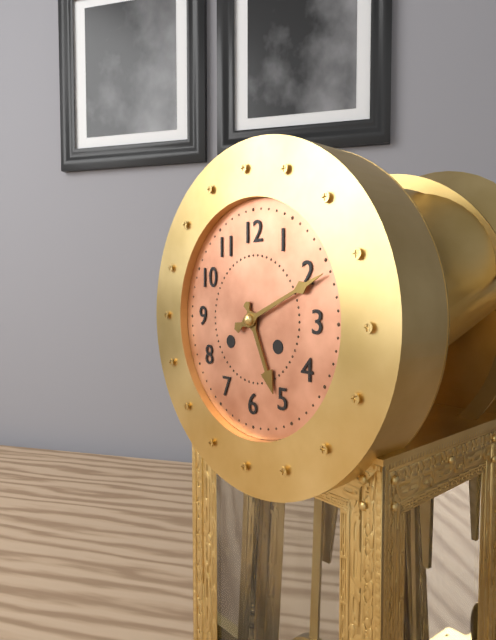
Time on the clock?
5:11
